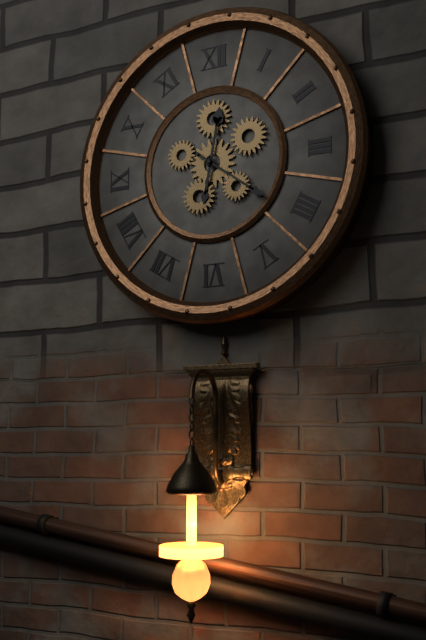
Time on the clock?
12:21
